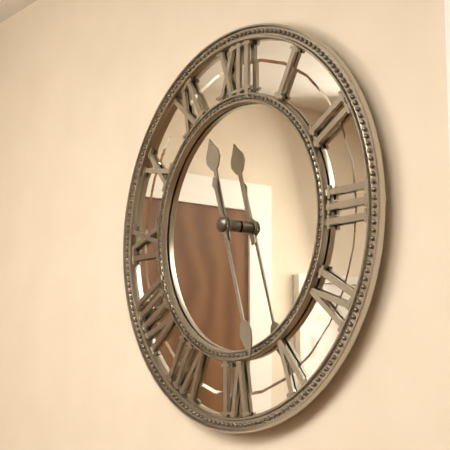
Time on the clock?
11:27
